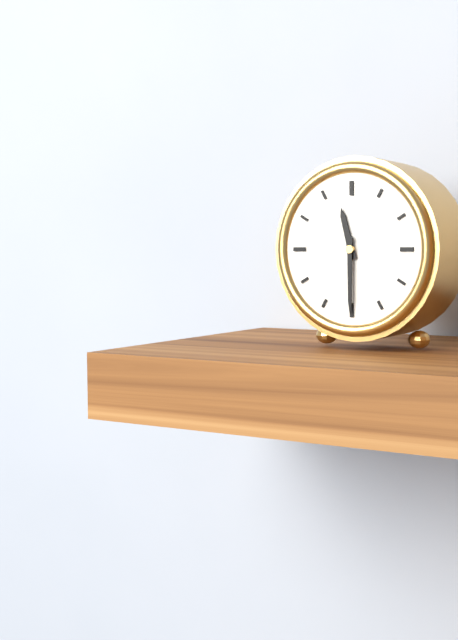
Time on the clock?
11:30
